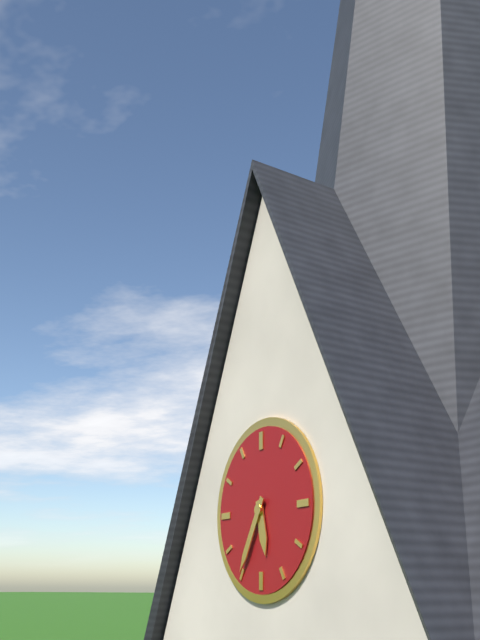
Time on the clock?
5:35
